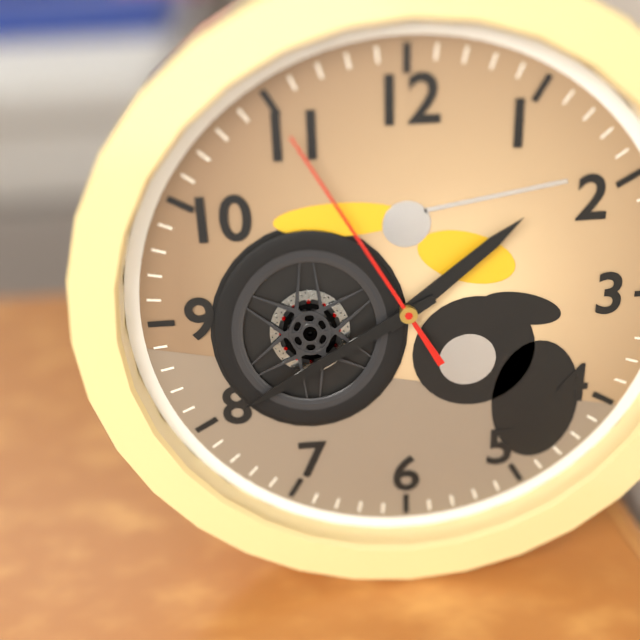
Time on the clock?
1:40:55
